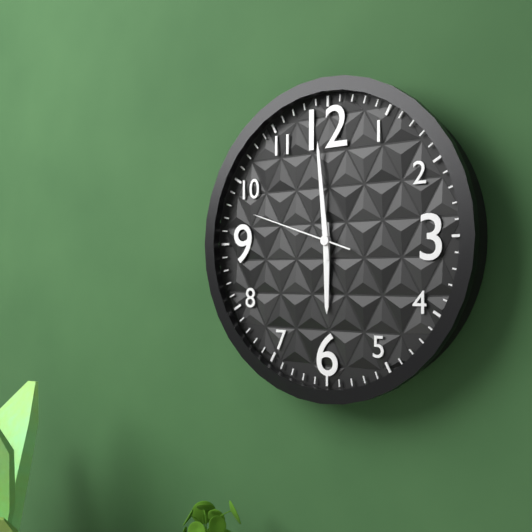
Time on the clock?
5:59:48
